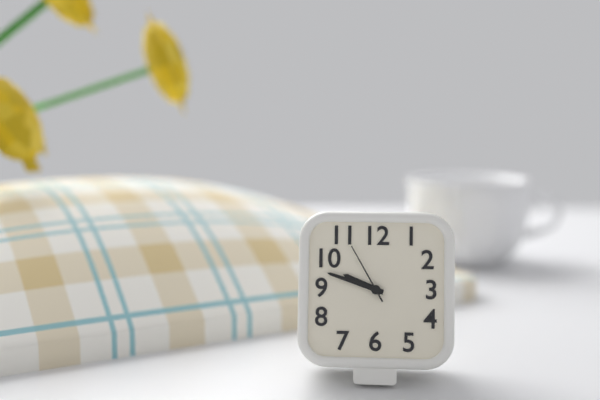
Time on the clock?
9:48:55
